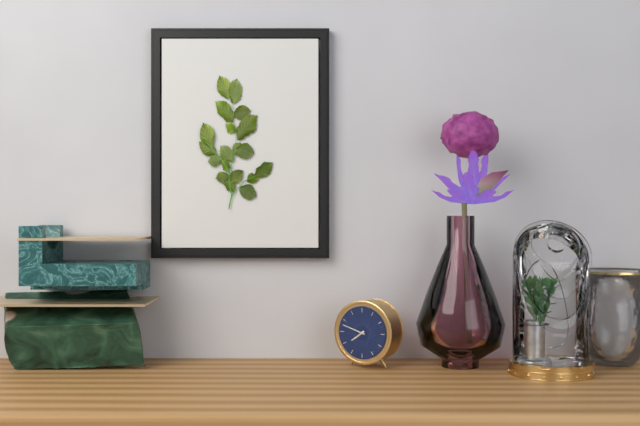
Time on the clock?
7:48
